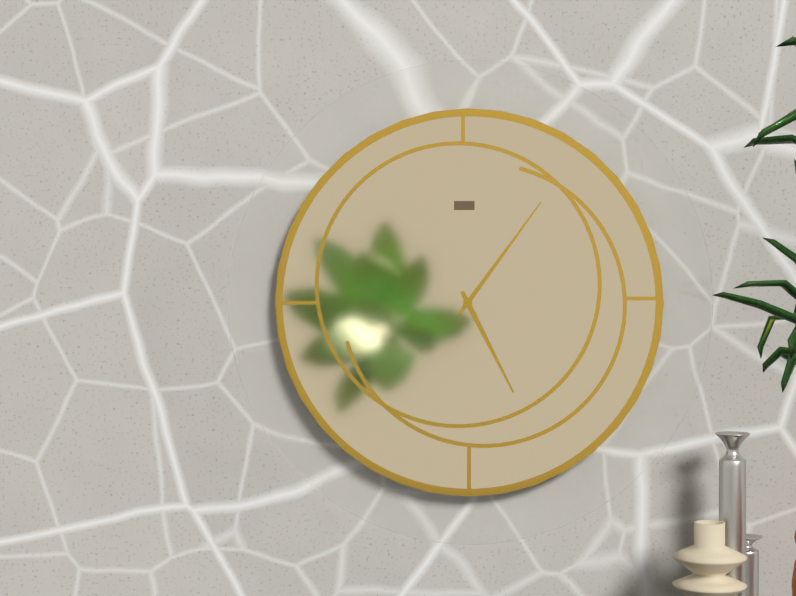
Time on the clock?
5:06
